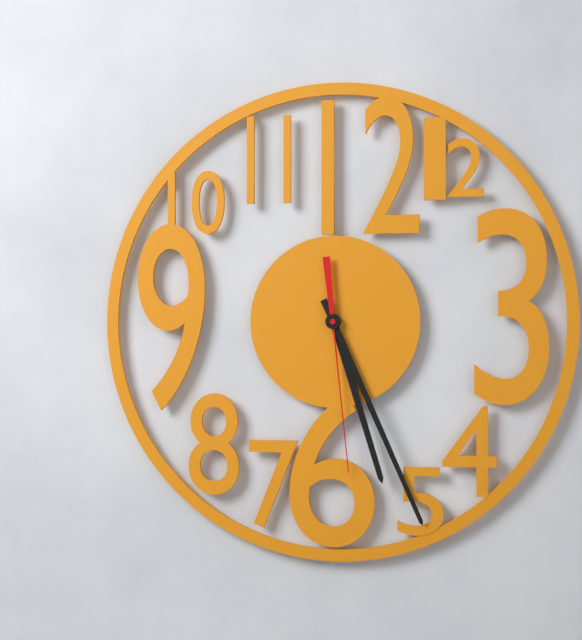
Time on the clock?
5:26:29
